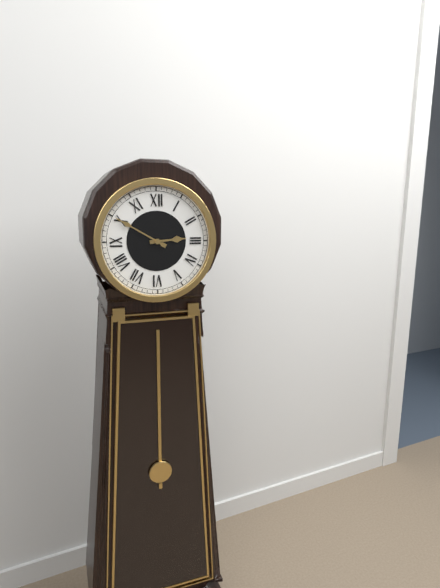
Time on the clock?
2:50
